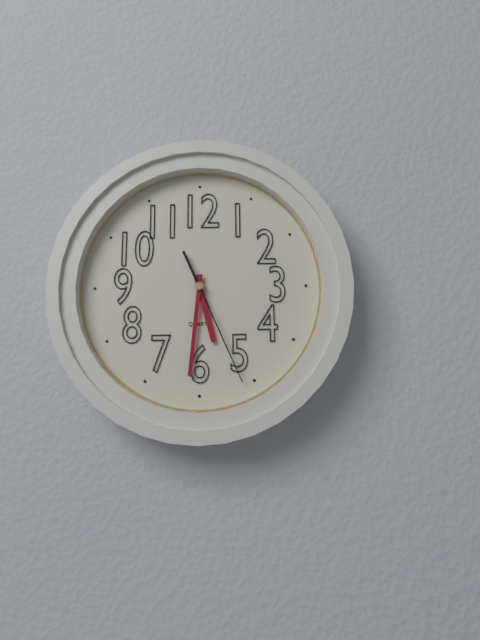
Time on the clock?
5:31:26
